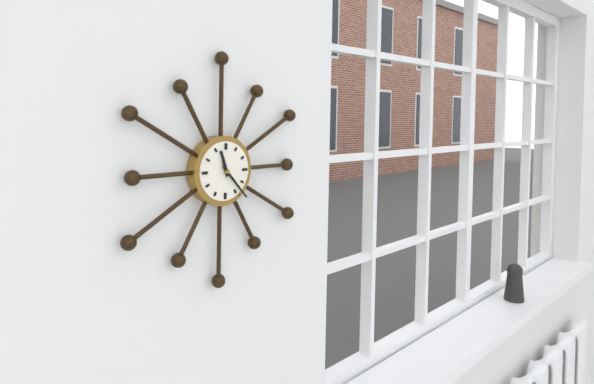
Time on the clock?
11:23
